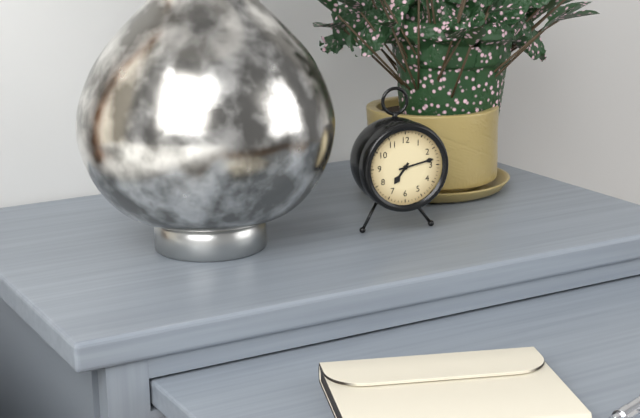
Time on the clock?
7:13
